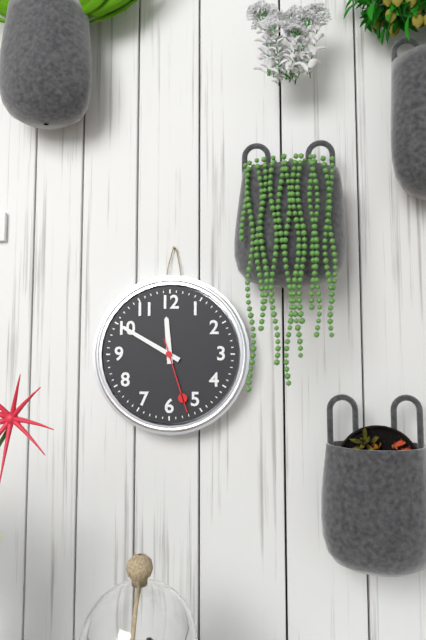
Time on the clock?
11:50:27
